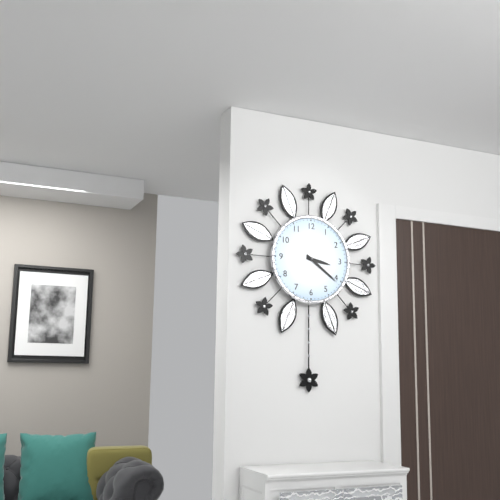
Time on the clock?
3:21
